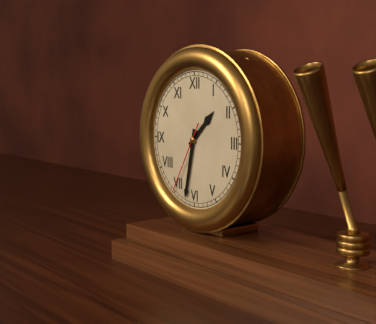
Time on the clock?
1:32:35
